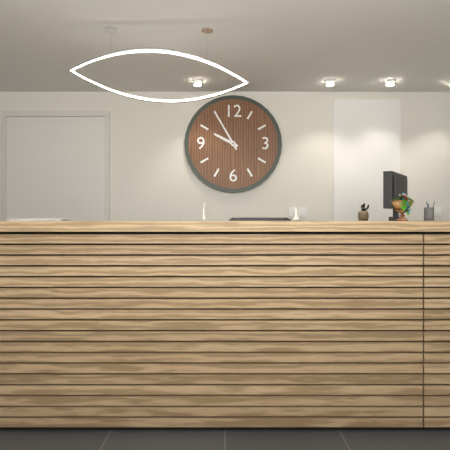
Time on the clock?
9:55
